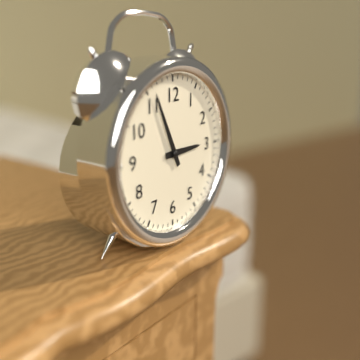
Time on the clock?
2:56
